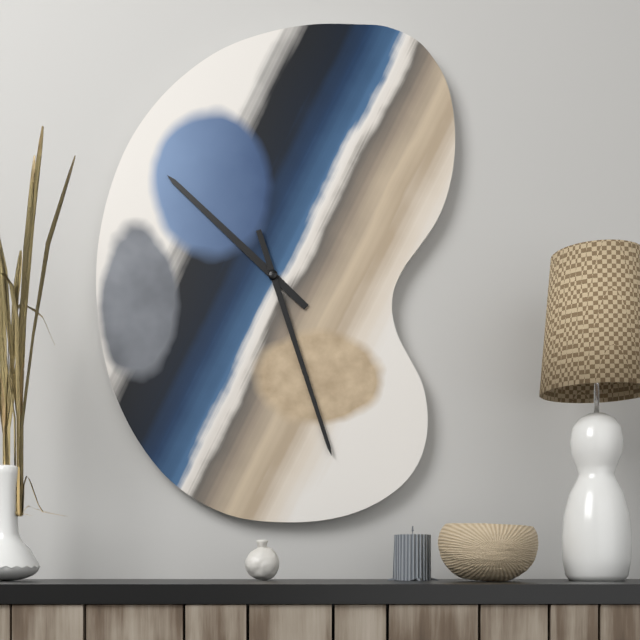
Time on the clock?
10:27
